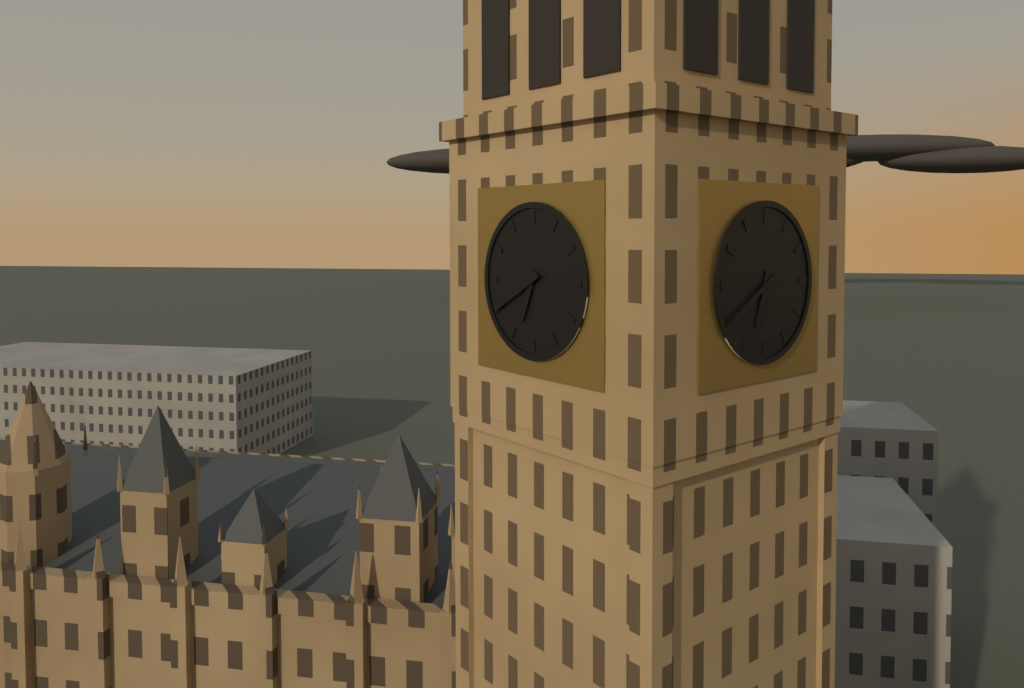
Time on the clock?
6:40
